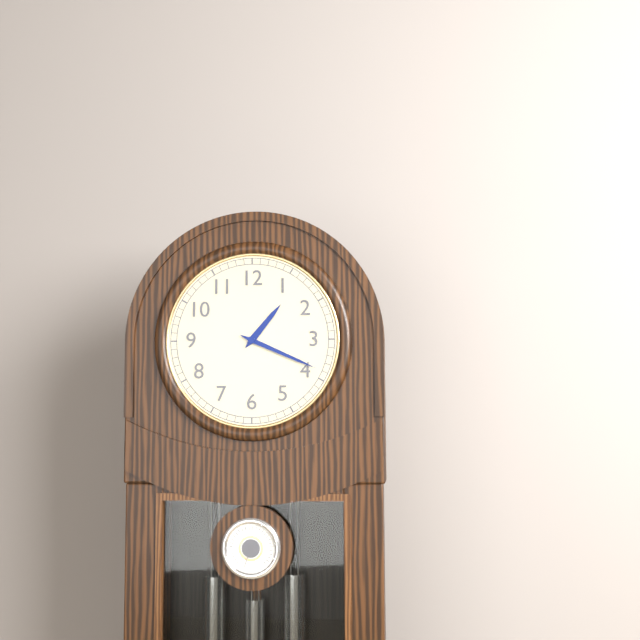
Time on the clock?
1:19
